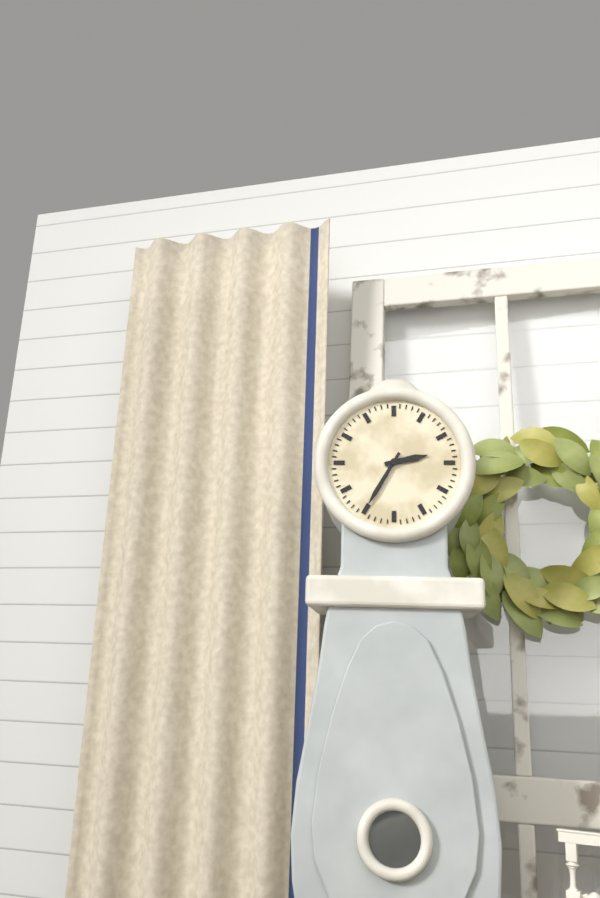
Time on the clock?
2:35
